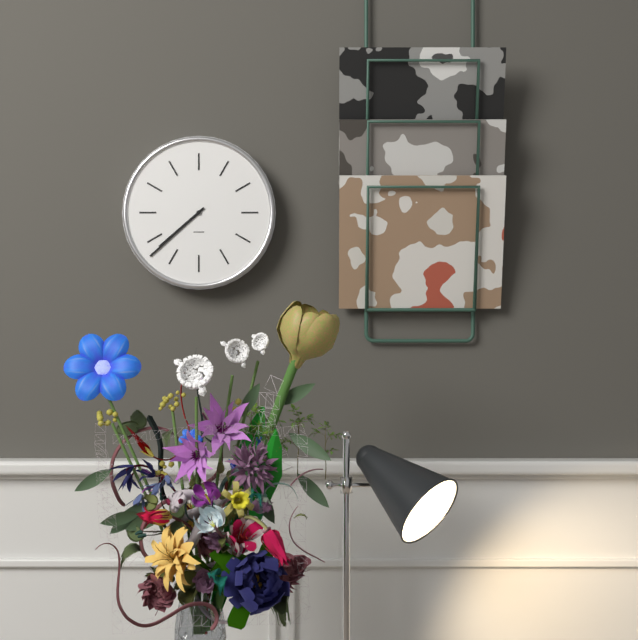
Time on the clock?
7:38
